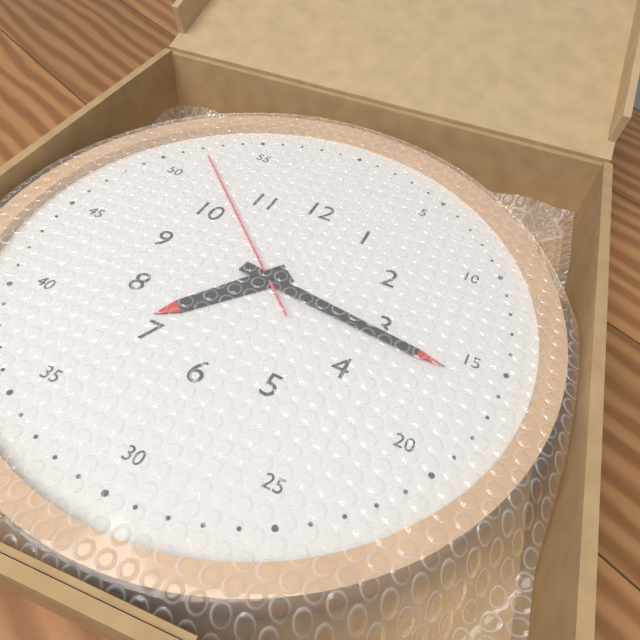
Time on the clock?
7:16:52
